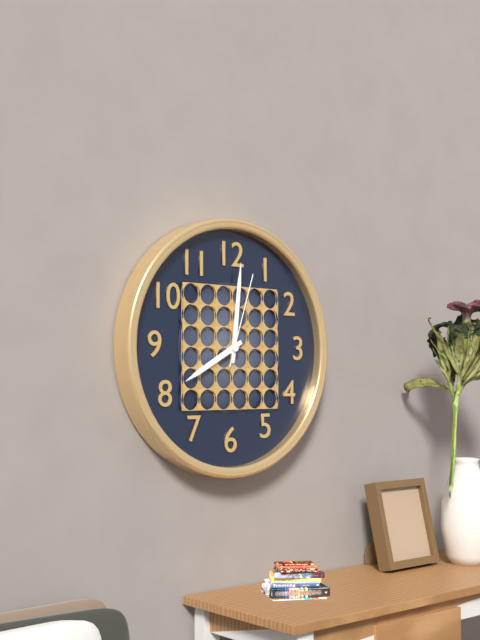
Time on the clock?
8:01:03
